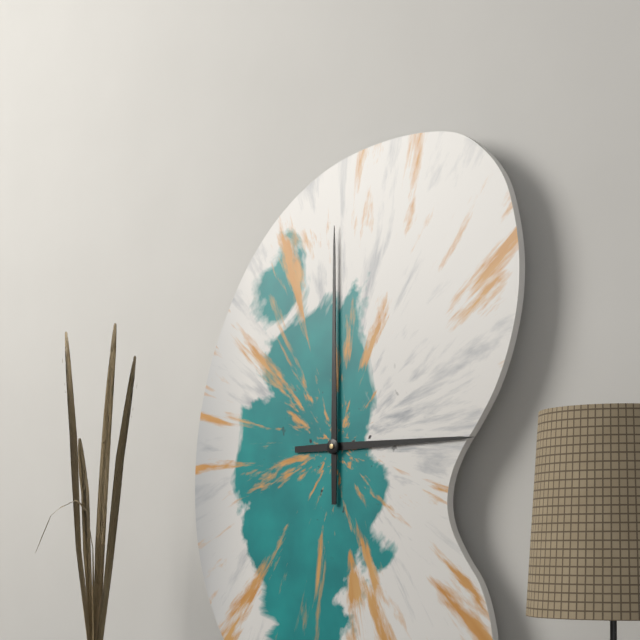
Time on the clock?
3:00
